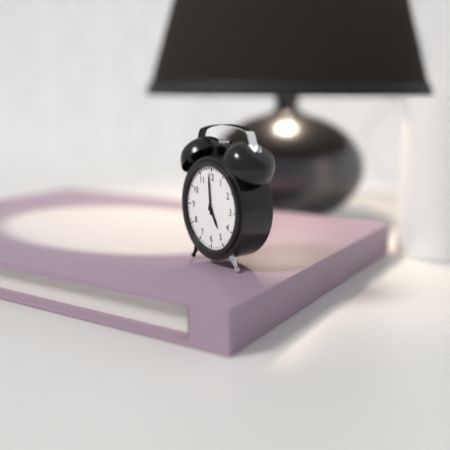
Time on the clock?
4:59
